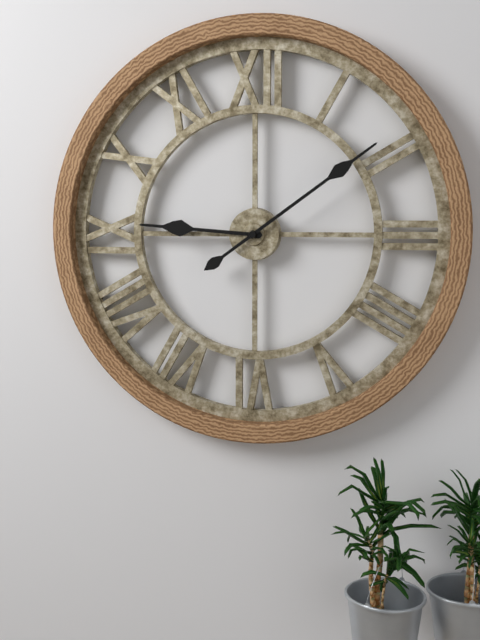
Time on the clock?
9:09
